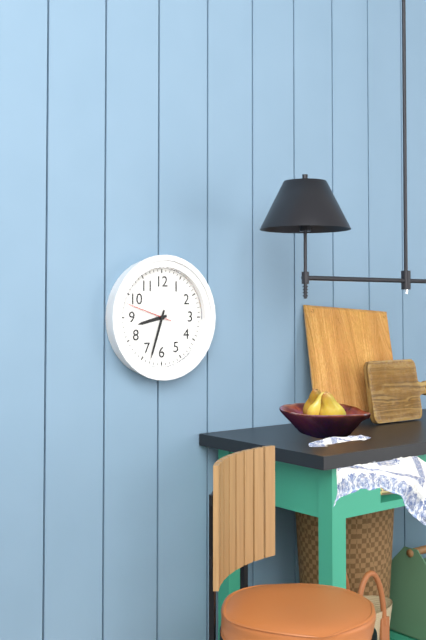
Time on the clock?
8:33
